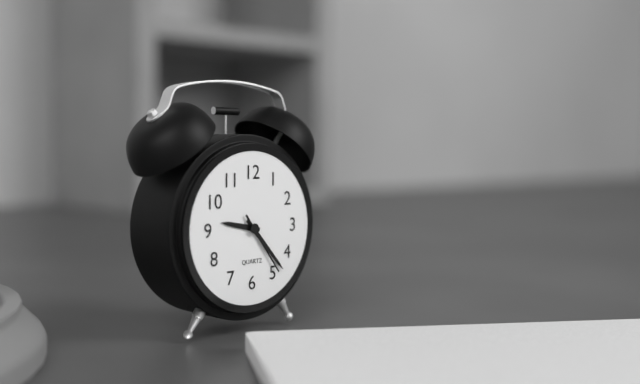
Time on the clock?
9:23:24
